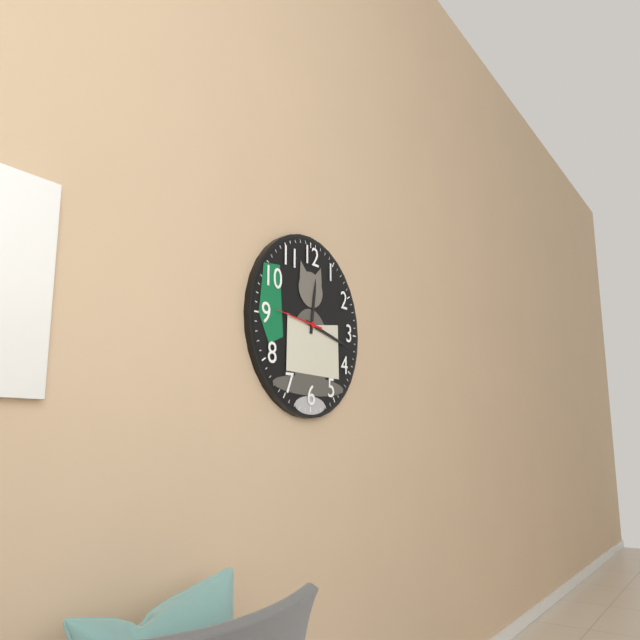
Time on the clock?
12:17
